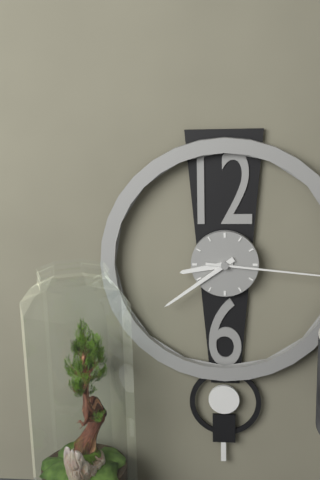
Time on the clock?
8:39
